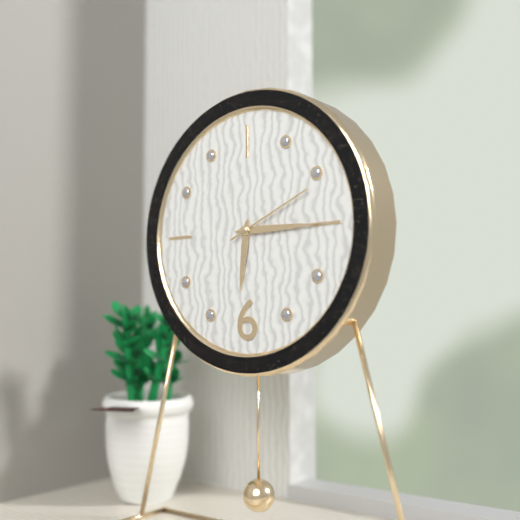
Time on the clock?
6:15:11
